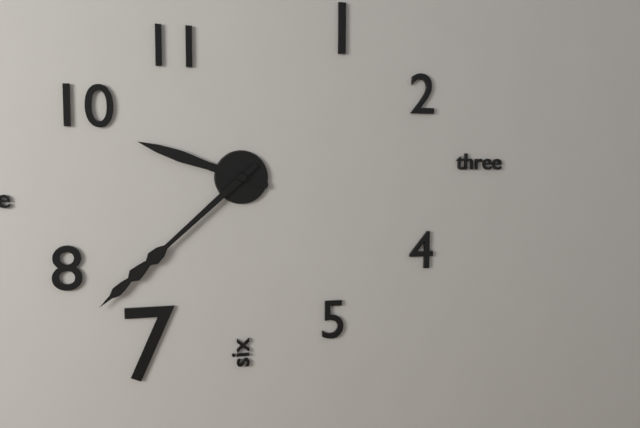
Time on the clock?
9:38
